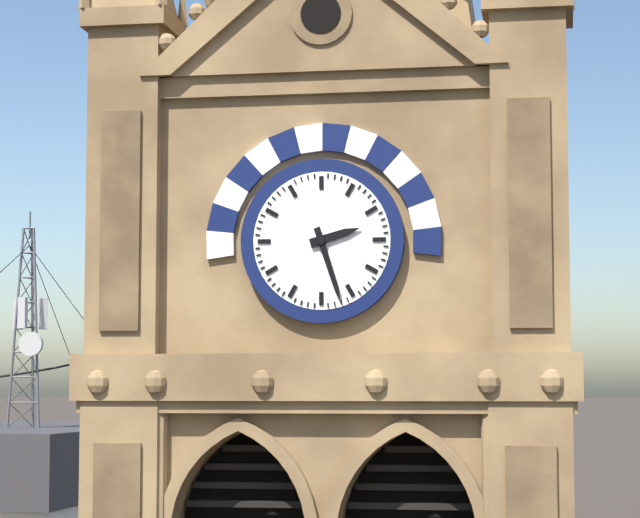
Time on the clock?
2:27
